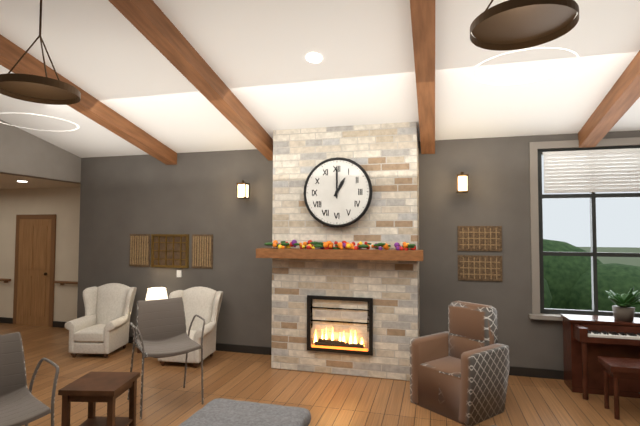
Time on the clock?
1:00
